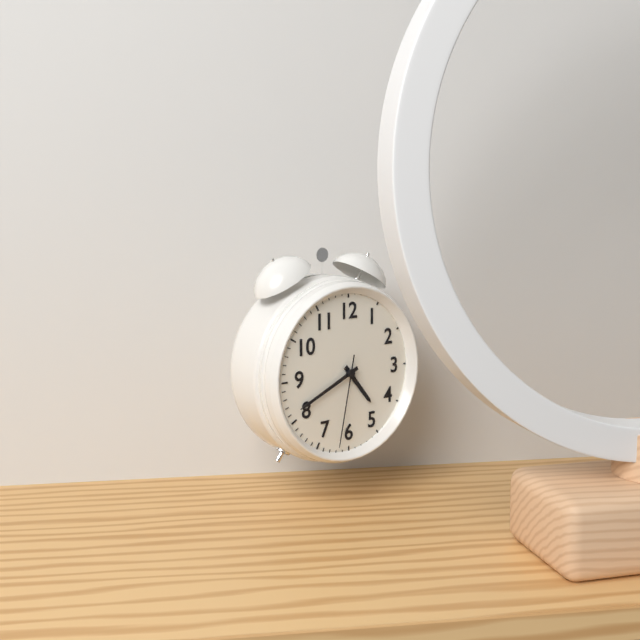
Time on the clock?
4:41:32
